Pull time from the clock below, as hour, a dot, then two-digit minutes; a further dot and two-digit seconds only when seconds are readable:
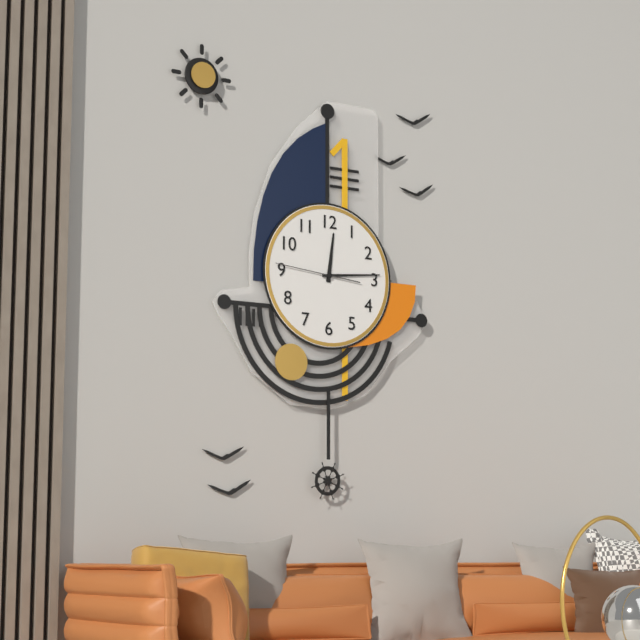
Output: 12.14.46
